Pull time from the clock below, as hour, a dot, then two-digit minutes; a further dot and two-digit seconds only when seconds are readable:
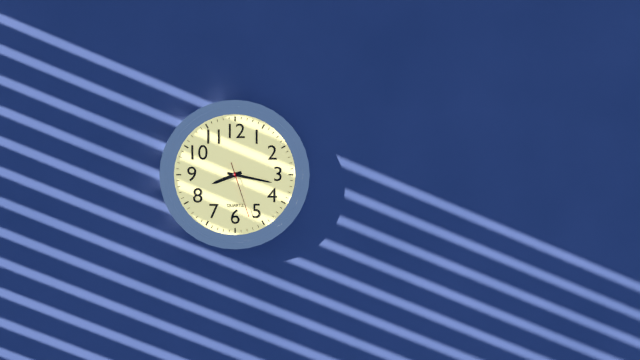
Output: 8.17.27
